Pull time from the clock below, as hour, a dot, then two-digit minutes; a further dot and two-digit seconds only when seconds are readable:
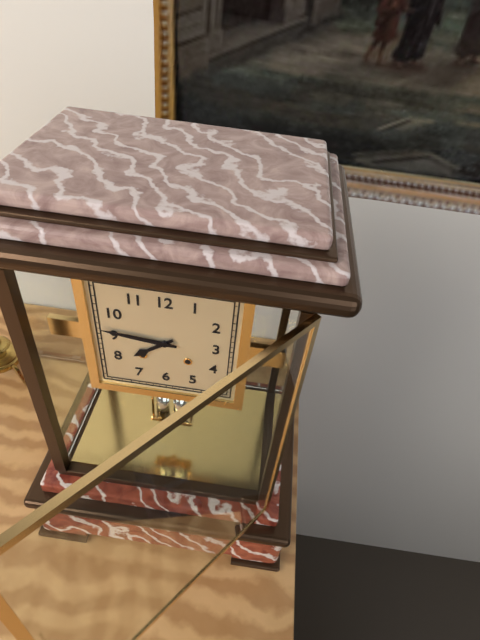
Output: 7.46
